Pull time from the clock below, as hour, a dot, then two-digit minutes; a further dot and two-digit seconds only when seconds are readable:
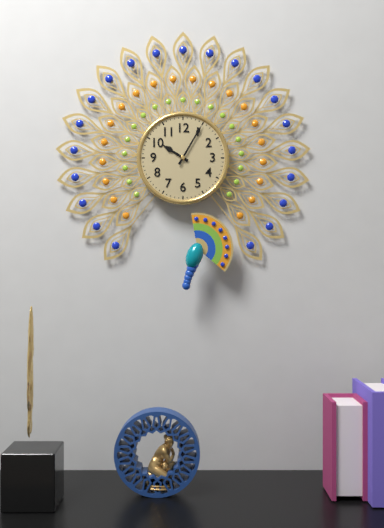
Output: 10.05
